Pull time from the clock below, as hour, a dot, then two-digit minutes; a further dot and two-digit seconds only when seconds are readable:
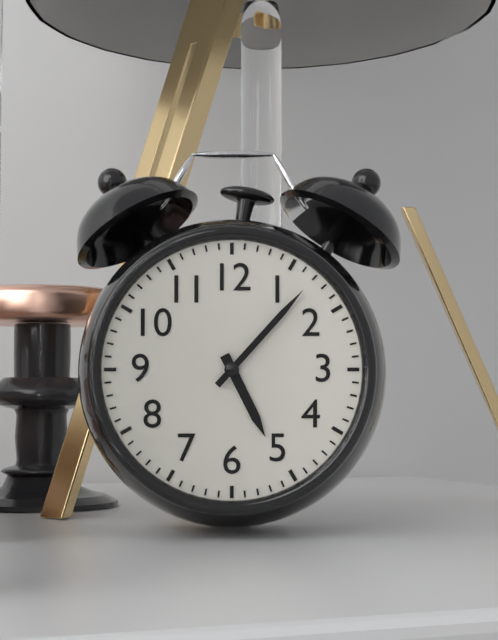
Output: 5.07
